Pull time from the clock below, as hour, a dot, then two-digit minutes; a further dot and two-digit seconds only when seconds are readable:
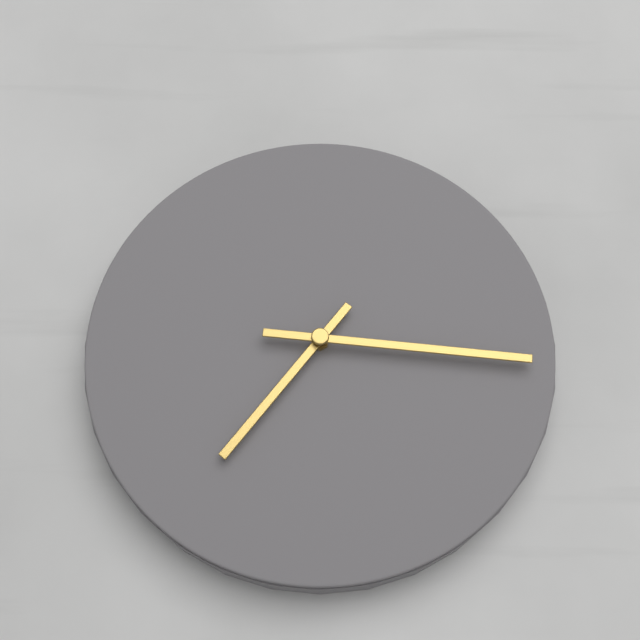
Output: 7.16
